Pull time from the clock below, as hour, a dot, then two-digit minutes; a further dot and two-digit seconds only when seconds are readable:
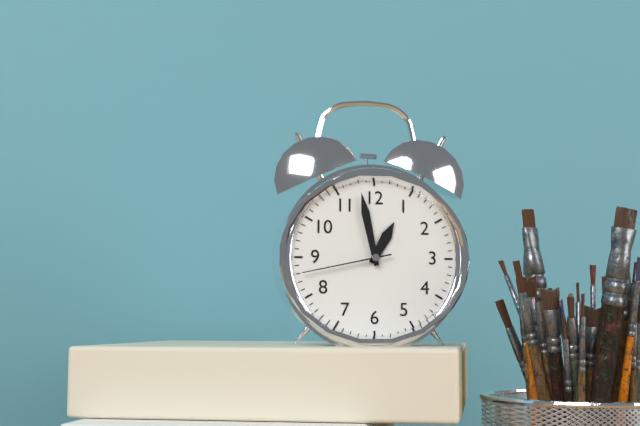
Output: 12.58.43
